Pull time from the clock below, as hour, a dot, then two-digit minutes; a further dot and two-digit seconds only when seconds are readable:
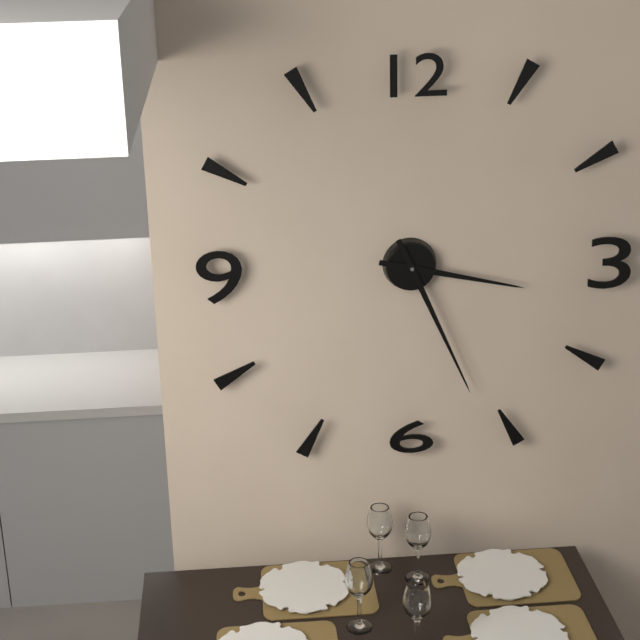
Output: 3.26
